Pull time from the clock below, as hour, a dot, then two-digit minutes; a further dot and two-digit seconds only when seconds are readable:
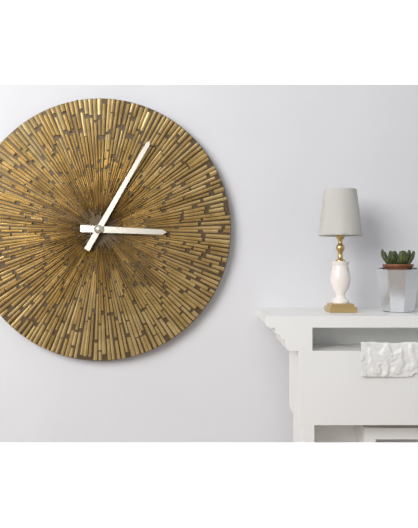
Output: 3.05
